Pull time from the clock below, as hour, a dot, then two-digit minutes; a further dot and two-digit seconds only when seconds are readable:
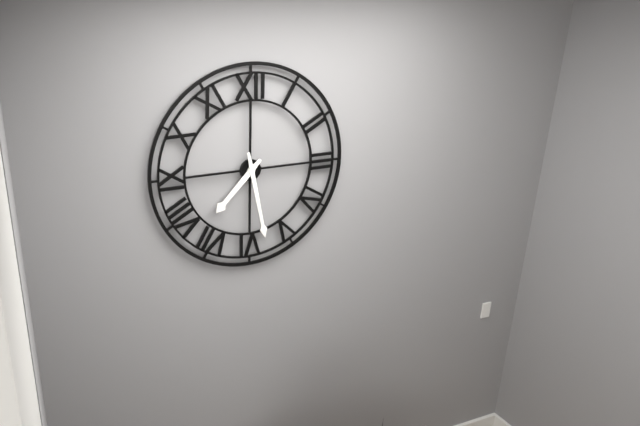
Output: 7.28
